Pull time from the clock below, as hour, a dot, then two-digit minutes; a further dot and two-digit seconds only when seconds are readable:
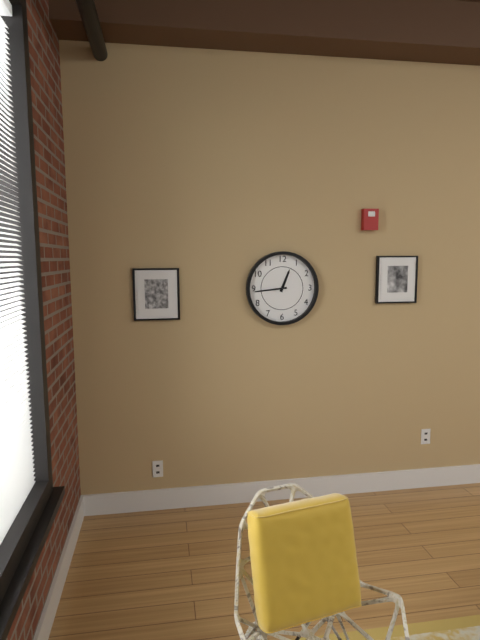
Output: 12.44
